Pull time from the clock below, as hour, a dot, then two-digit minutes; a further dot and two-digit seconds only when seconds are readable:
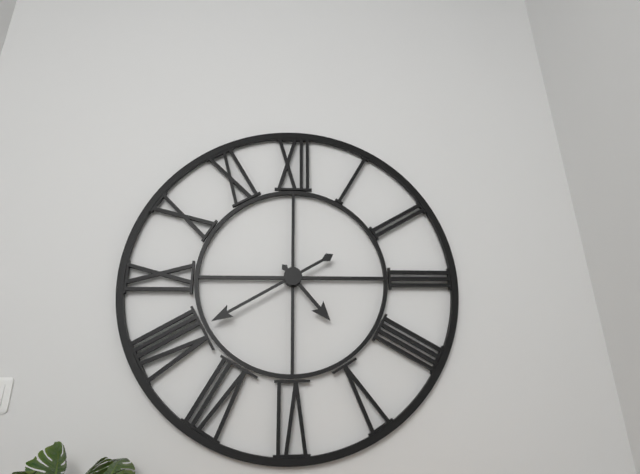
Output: 4.40
